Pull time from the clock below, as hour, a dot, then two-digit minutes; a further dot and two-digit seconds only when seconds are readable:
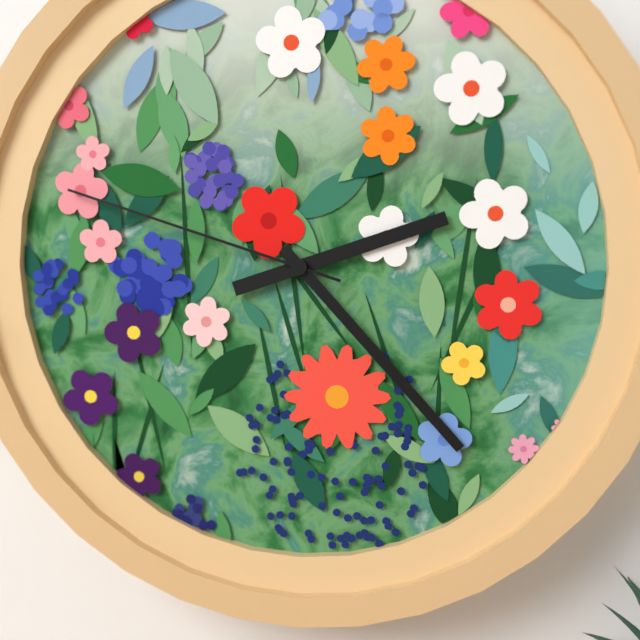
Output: 2.23.48
